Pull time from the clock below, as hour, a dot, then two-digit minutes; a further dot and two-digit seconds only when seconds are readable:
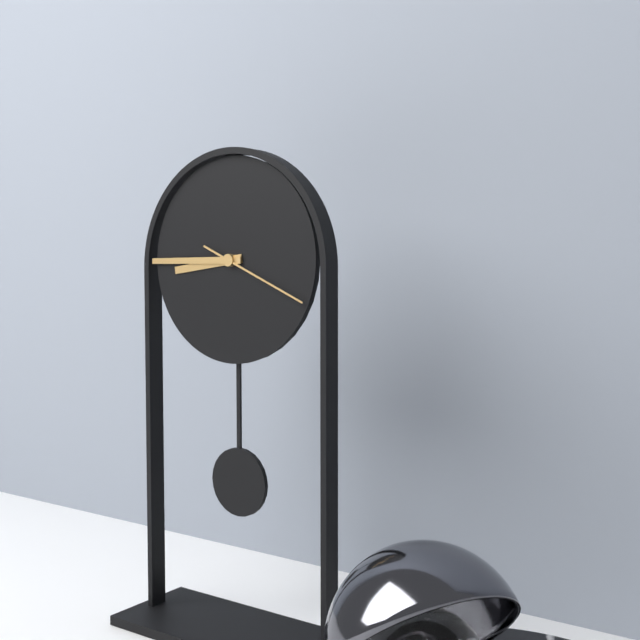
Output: 8.45.19
